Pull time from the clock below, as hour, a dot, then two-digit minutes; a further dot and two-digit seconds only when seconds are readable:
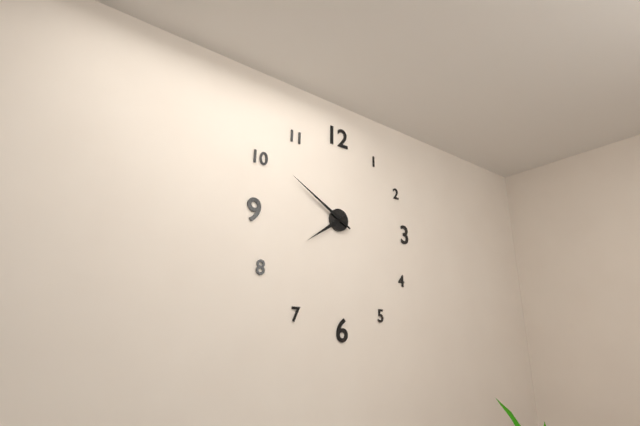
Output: 7.50
